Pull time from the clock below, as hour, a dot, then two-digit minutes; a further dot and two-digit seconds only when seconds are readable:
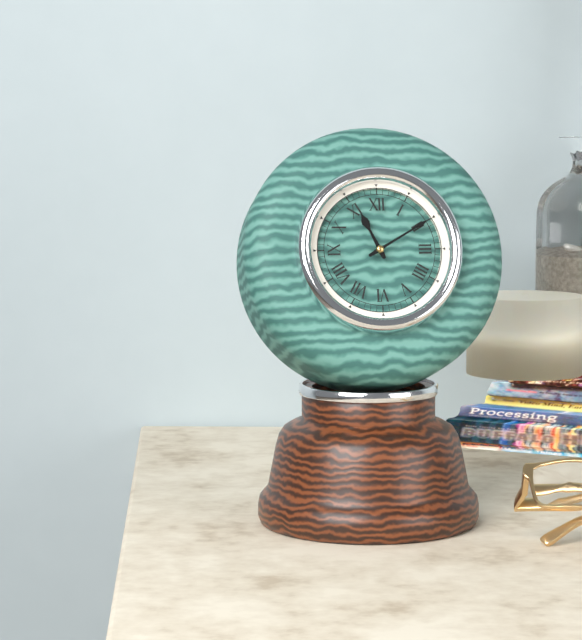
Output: 11.10
